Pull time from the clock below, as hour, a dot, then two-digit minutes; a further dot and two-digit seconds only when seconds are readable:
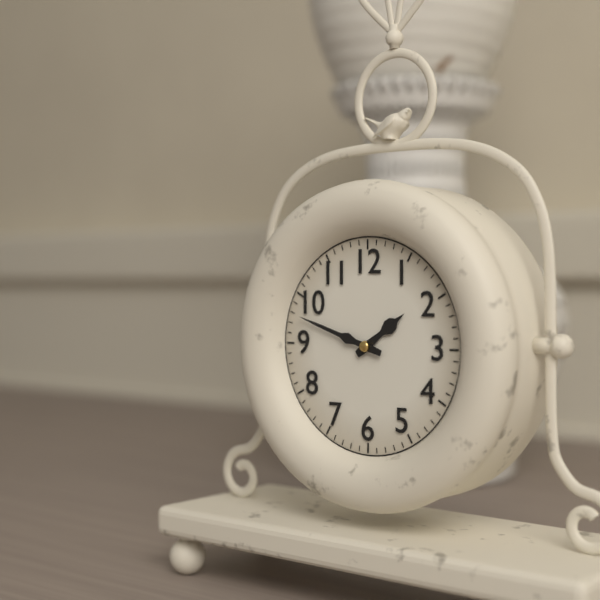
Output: 1.48
